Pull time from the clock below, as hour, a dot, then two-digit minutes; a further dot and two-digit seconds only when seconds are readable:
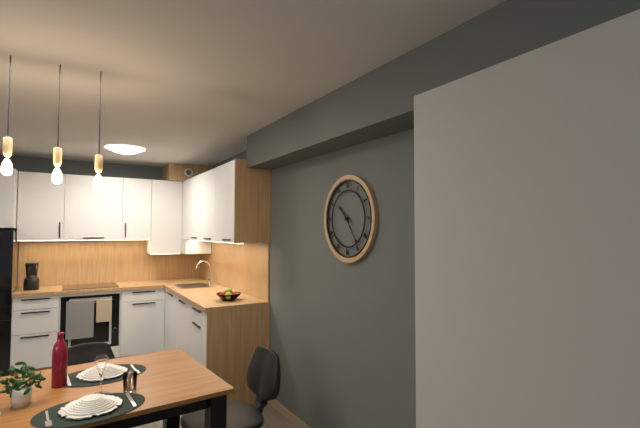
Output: 10.24
